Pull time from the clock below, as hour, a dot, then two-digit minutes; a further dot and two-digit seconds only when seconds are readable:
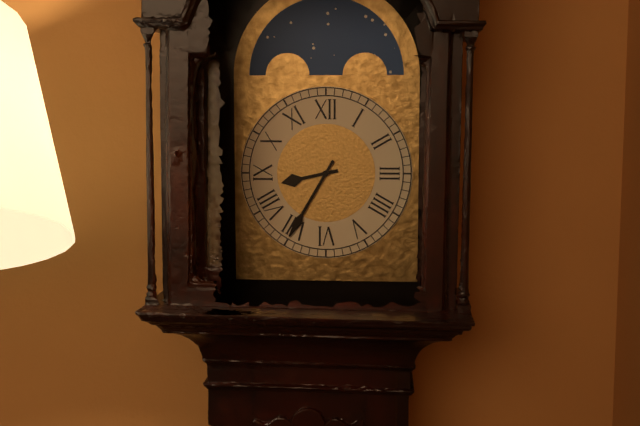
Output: 8.35
